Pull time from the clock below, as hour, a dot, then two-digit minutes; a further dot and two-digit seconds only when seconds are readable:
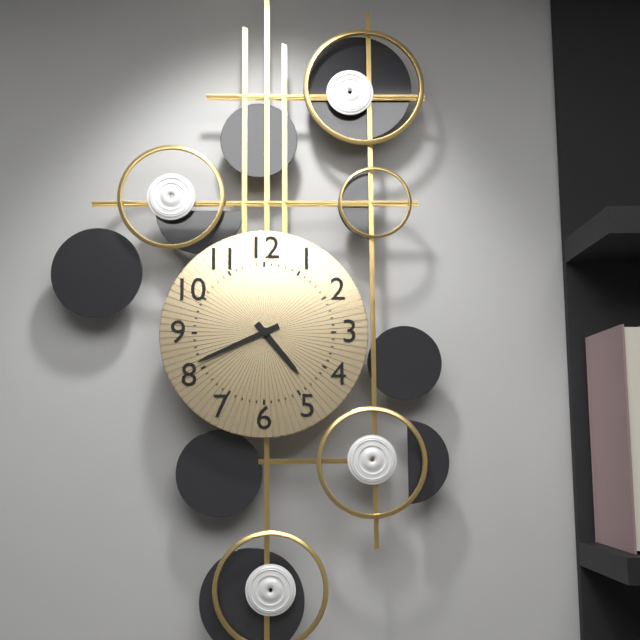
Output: 4.41
